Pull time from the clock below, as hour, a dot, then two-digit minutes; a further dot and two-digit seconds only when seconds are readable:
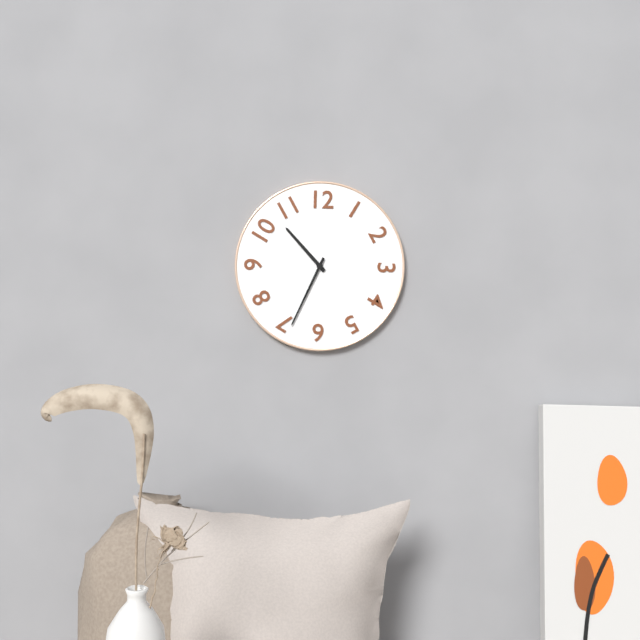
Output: 10.34
